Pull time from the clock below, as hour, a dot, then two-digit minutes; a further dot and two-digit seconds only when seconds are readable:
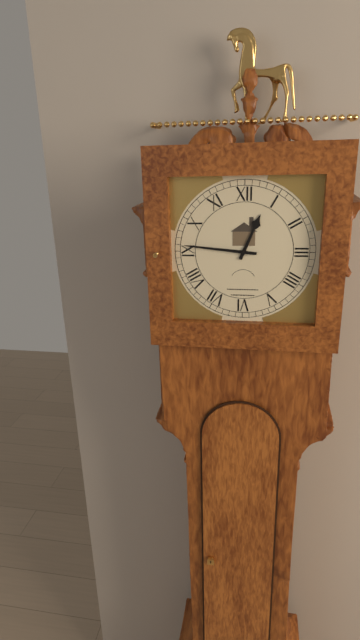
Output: 12.46
